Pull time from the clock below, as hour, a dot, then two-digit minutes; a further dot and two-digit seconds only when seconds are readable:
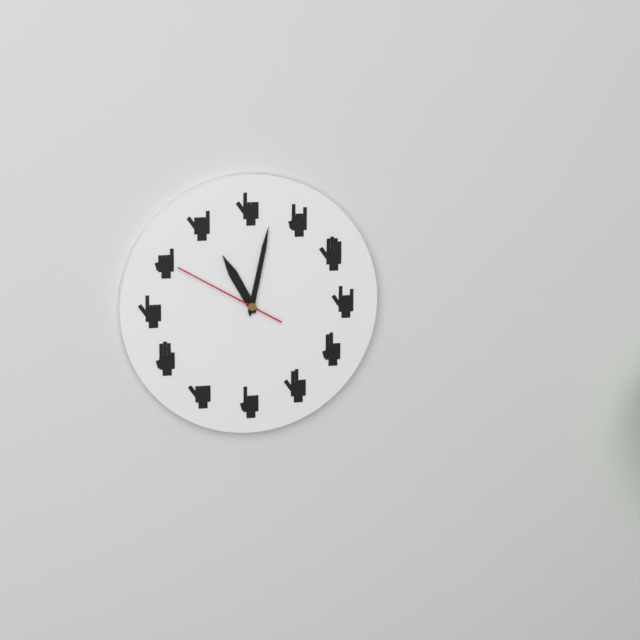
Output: 11.02.50
